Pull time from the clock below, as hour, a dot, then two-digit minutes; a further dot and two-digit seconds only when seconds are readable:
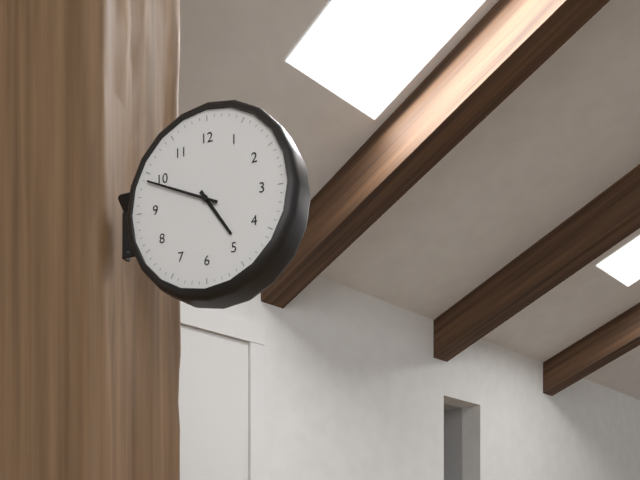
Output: 4.49
